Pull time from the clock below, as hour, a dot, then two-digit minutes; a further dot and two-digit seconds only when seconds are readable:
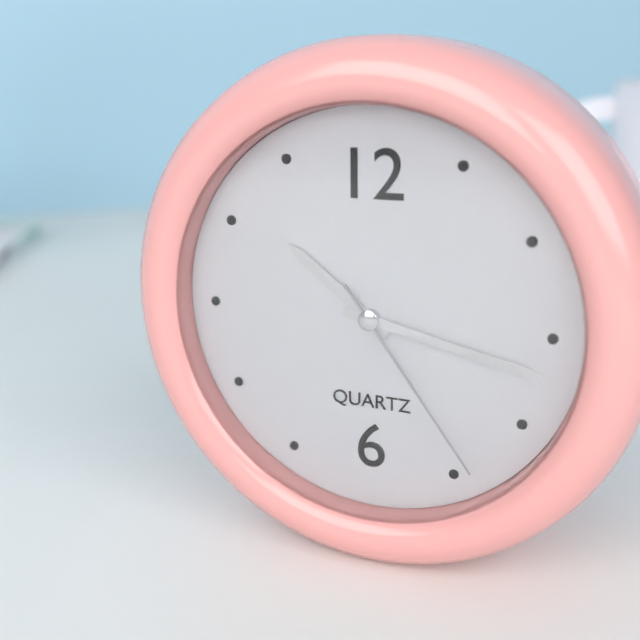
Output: 10.17.24
